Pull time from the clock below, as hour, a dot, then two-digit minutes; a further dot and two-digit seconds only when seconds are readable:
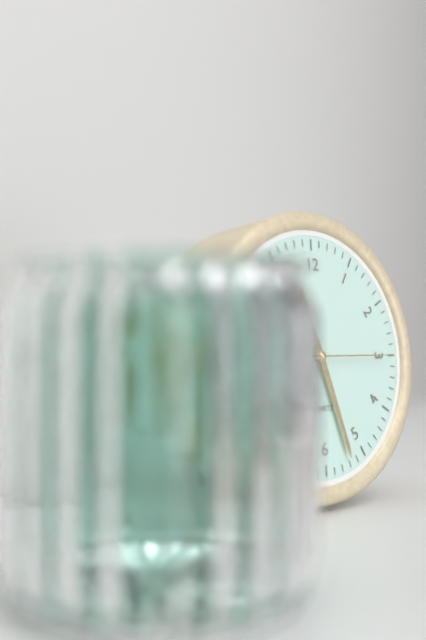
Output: 11.27.15
